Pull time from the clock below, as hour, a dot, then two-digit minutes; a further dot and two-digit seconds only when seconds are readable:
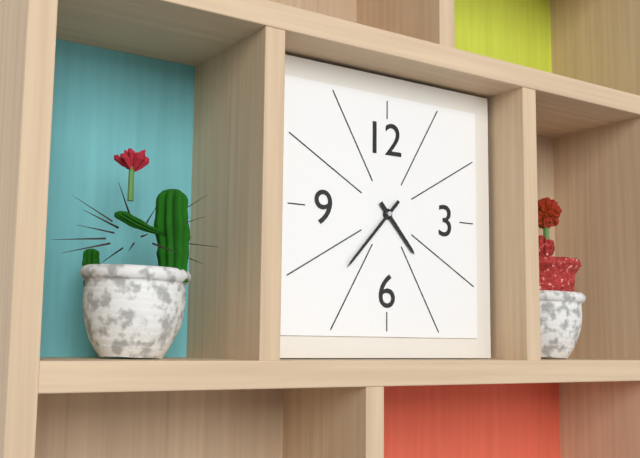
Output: 4.37
